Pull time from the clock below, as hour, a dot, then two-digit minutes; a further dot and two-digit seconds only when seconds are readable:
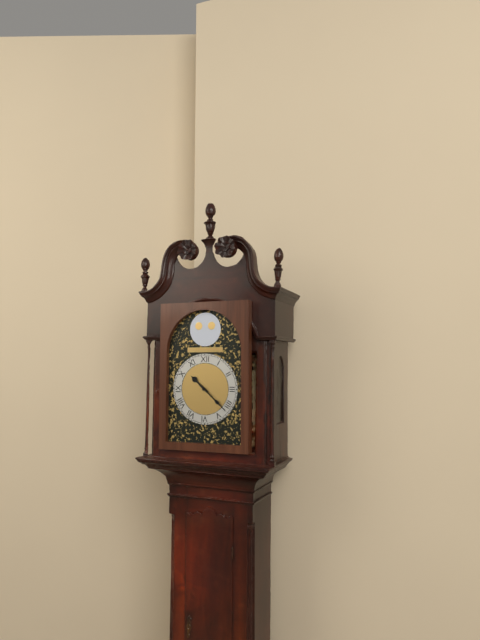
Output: 10.22
